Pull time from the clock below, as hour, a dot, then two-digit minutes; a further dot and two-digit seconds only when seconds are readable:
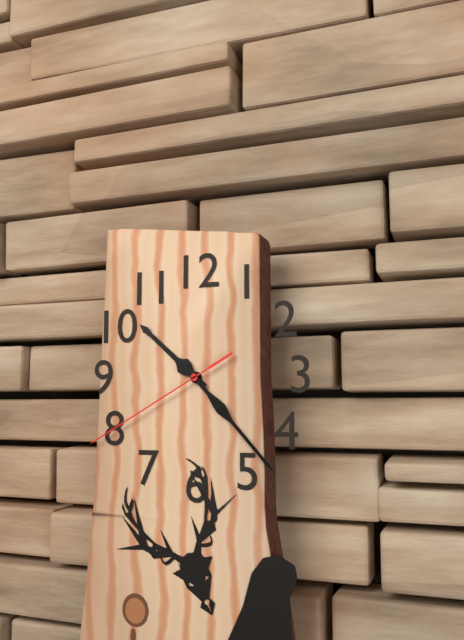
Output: 10.23.40
